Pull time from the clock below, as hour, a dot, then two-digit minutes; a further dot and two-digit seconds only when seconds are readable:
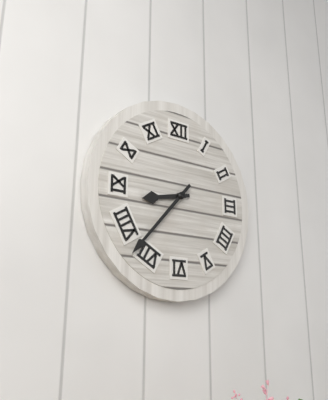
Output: 8.37
